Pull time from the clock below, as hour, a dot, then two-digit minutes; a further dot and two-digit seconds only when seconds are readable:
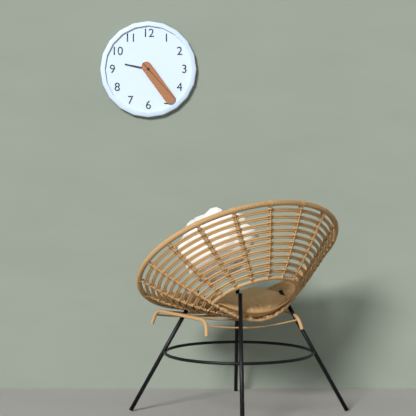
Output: 9.24
